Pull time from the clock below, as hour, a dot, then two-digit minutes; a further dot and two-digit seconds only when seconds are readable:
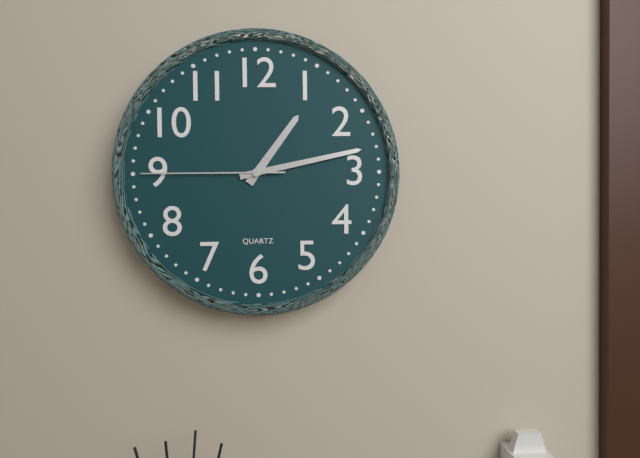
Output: 1.13.45
